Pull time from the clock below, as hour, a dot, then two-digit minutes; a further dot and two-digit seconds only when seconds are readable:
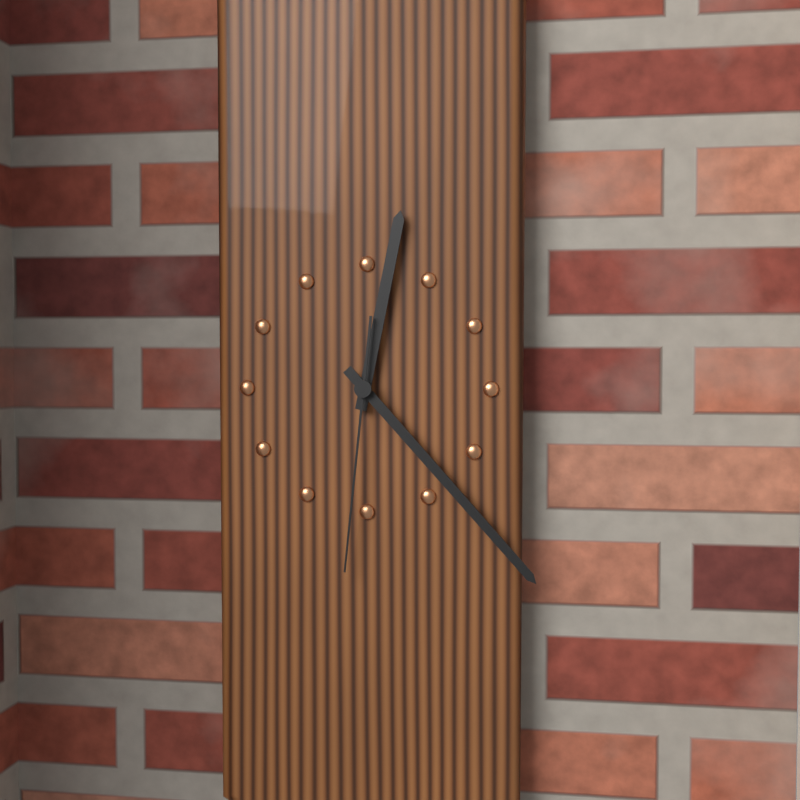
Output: 12.23.31
